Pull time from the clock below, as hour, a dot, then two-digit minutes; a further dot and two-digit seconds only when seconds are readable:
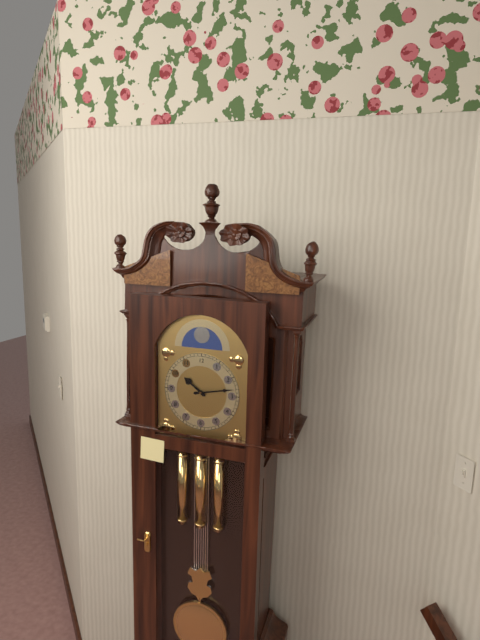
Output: 10.13
